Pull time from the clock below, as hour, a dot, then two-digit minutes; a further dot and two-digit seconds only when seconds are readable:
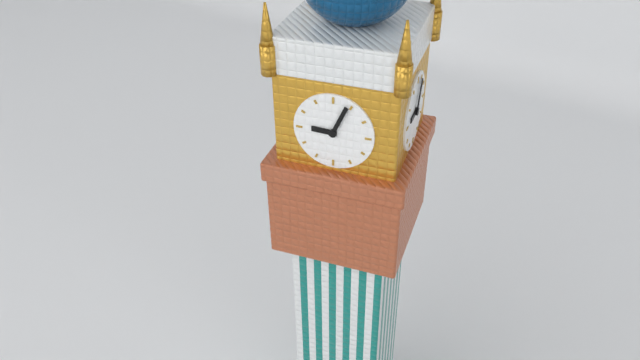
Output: 9.04
